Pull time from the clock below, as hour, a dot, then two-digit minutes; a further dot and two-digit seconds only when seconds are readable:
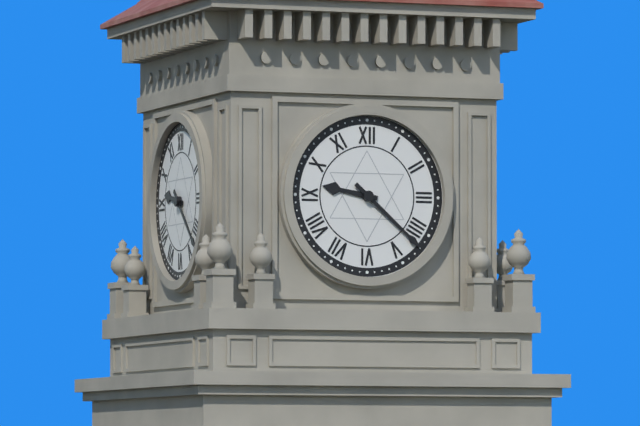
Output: 9.22
